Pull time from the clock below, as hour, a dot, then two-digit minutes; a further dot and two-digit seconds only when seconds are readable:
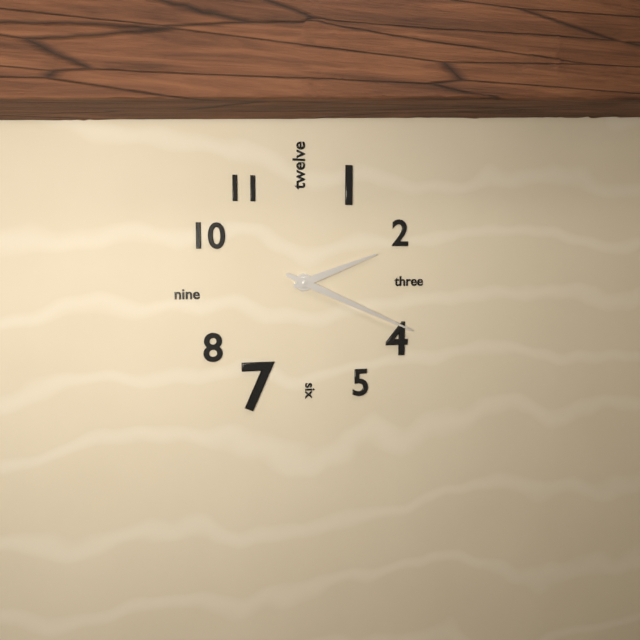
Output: 2.19
